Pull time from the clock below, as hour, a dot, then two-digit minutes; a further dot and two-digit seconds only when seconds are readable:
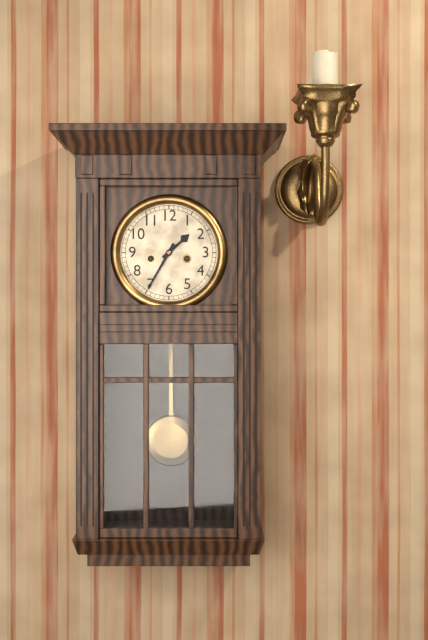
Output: 1.35
